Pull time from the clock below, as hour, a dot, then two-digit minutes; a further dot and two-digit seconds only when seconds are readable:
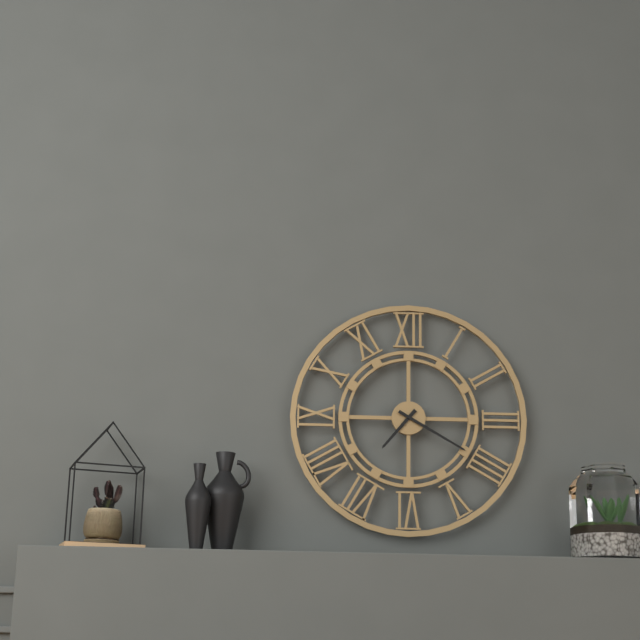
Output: 7.20
